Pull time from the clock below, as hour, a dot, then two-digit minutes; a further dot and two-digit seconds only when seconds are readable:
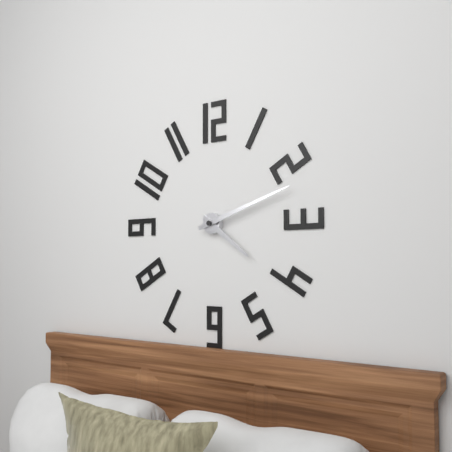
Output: 4.12
